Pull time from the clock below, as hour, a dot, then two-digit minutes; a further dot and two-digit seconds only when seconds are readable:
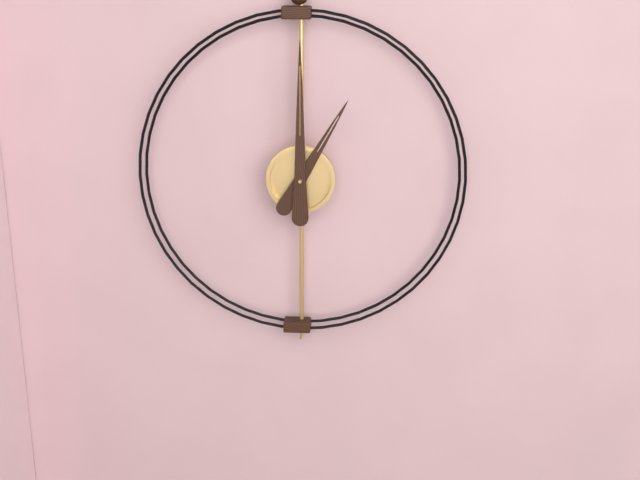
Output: 1.00
